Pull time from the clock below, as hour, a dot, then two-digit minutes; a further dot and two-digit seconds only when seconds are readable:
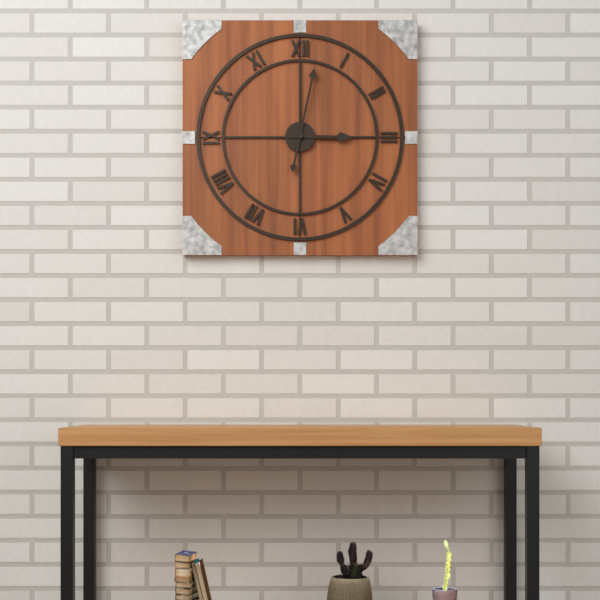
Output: 3.02
